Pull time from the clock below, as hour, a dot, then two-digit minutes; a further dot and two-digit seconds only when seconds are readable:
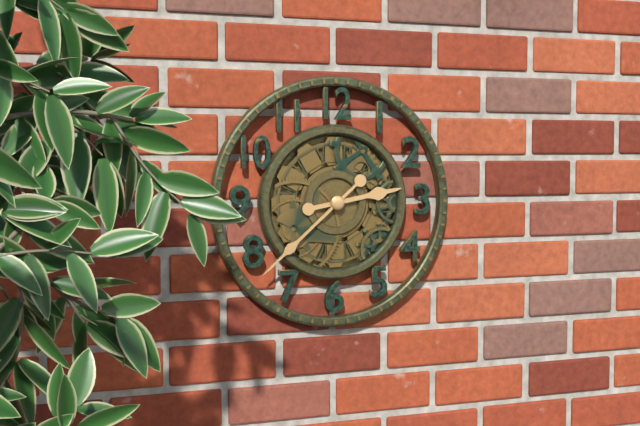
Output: 2.38
